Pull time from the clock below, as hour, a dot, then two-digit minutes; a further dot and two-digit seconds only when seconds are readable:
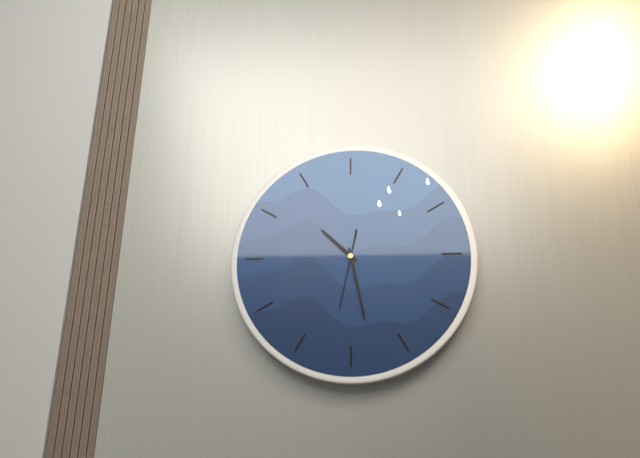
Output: 10.28.32
